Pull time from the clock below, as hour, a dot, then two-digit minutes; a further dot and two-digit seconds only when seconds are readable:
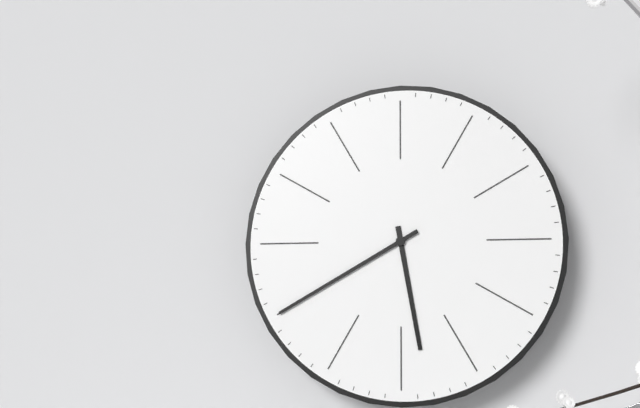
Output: 5.40
